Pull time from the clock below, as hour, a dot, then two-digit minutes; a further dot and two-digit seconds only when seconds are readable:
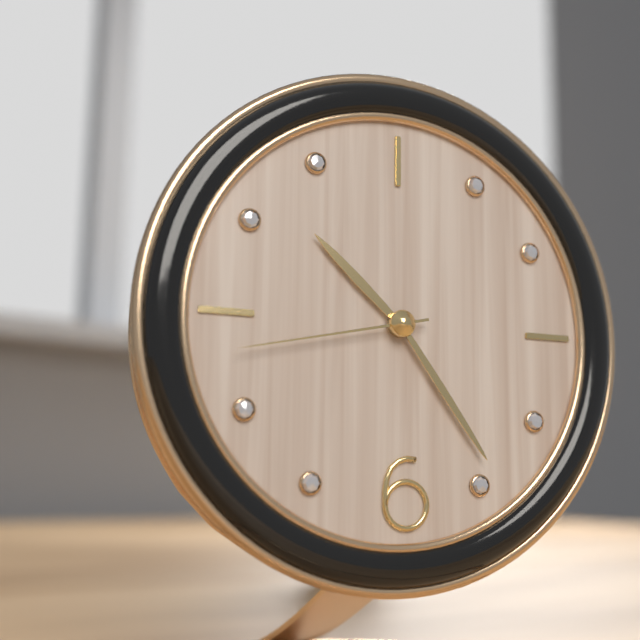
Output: 10.24.43
